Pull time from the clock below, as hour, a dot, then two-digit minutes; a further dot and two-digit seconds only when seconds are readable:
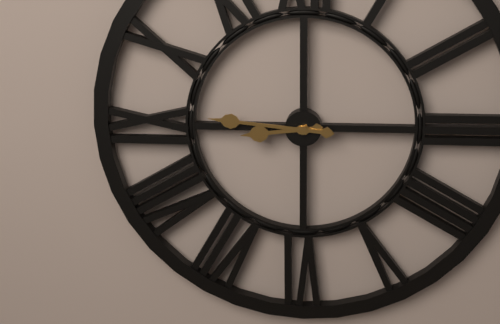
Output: 8.46
